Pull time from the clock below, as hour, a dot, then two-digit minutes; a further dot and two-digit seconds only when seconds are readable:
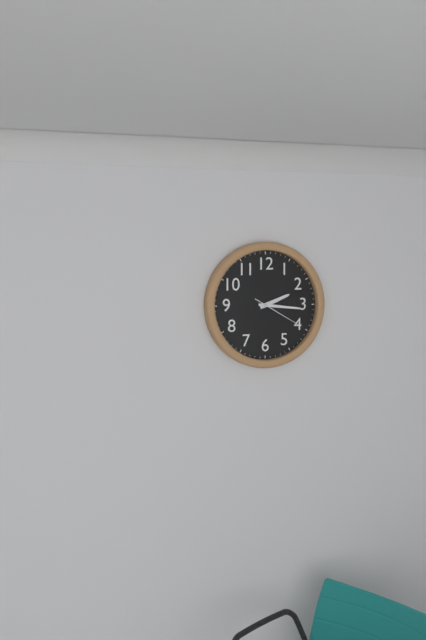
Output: 2.16
